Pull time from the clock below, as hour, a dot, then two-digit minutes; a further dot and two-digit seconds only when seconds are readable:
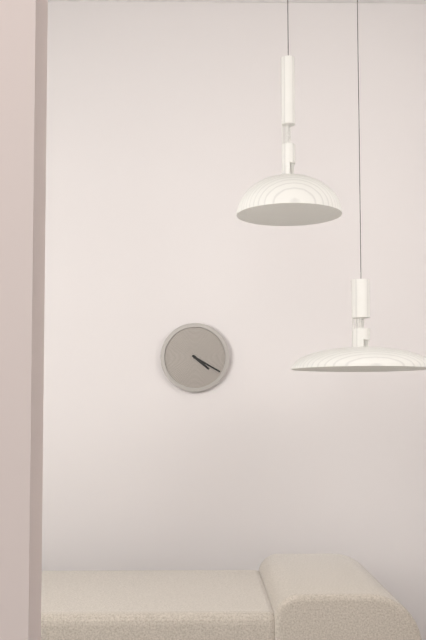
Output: 4.20
